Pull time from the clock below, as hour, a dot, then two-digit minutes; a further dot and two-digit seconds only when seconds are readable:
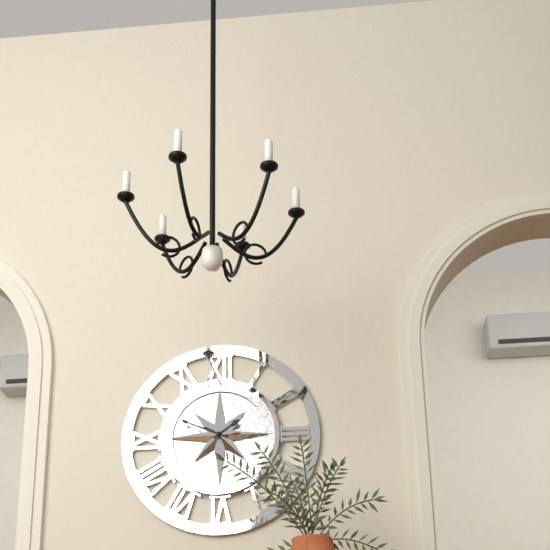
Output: 1.49
